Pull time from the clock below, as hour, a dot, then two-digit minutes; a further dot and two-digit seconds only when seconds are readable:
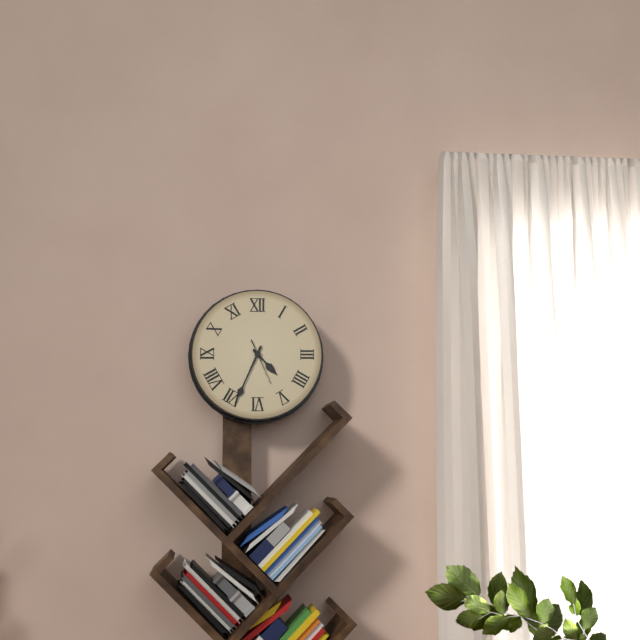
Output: 4.34
